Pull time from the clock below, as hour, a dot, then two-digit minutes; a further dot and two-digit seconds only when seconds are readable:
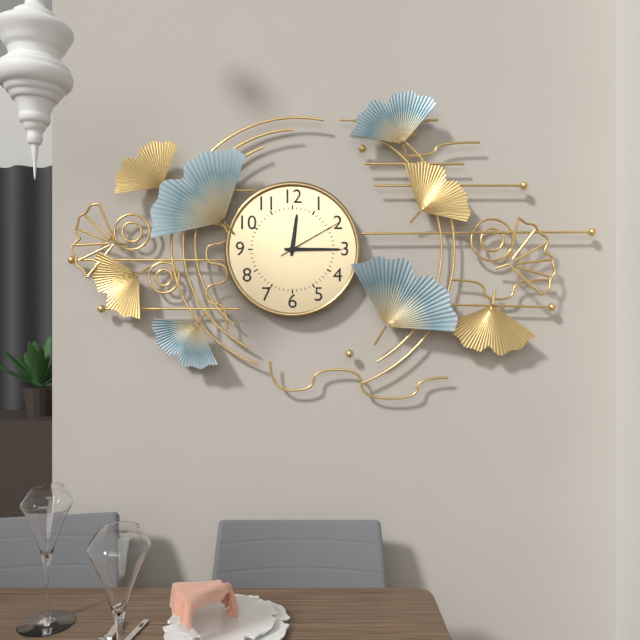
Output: 12.15.10
